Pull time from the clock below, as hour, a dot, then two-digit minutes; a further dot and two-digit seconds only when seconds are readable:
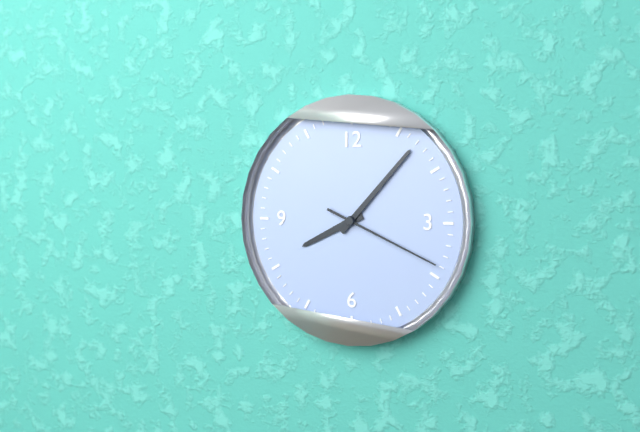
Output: 8.07.19
